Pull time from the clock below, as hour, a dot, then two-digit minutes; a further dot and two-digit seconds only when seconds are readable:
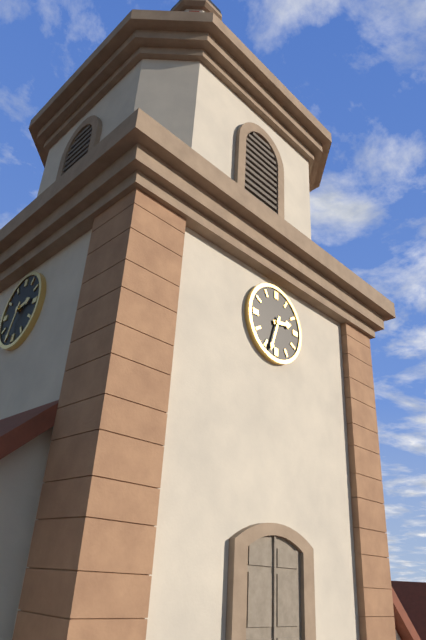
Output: 2.33
